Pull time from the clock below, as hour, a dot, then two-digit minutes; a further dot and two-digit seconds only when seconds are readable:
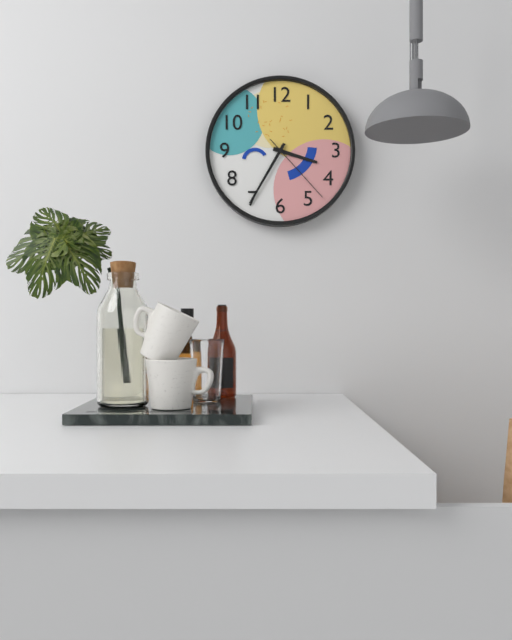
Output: 3.35.23
